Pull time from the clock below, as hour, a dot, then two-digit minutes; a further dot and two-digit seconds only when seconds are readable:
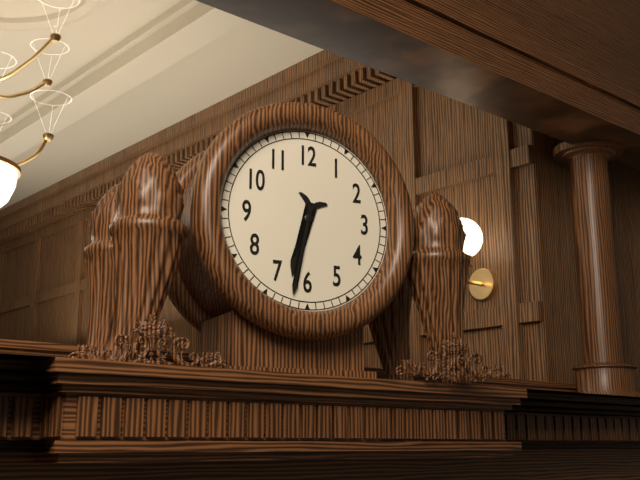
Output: 6.32
